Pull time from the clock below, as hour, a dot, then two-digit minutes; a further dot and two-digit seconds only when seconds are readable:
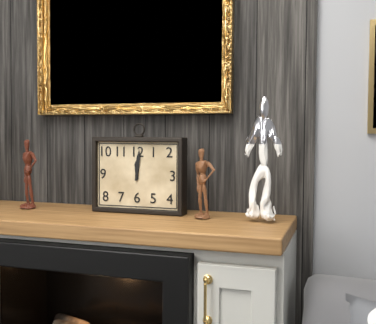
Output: 12.01
